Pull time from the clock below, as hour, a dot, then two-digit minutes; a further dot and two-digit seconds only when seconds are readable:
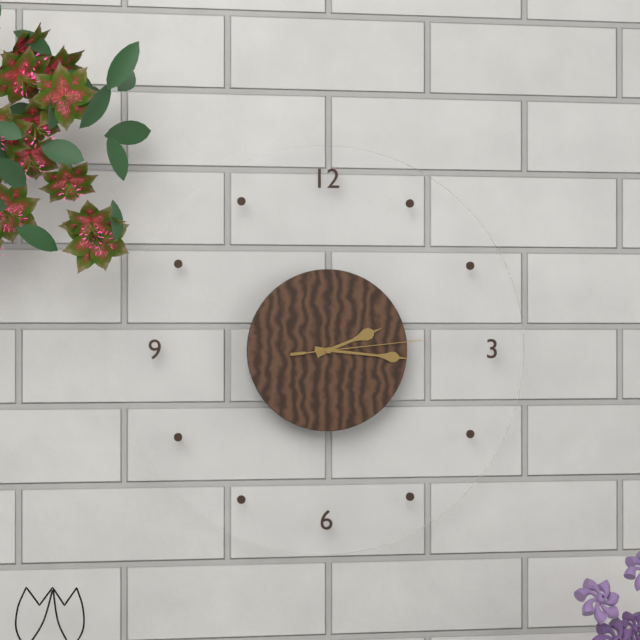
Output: 2.16.14
